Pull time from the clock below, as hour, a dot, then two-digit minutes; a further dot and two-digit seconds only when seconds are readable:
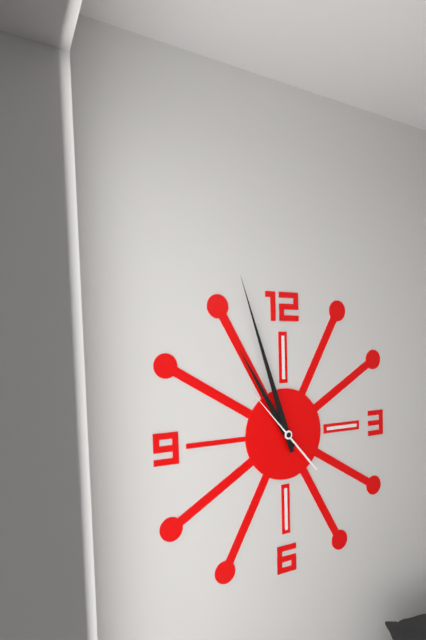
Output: 10.57.53
